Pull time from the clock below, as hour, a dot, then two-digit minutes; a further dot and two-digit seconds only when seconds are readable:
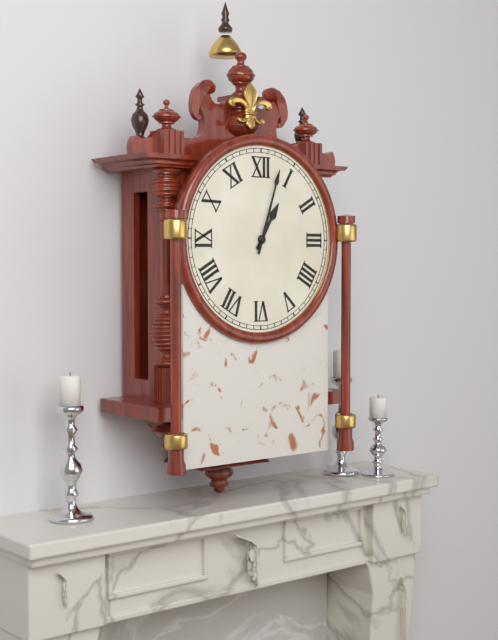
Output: 1.03
